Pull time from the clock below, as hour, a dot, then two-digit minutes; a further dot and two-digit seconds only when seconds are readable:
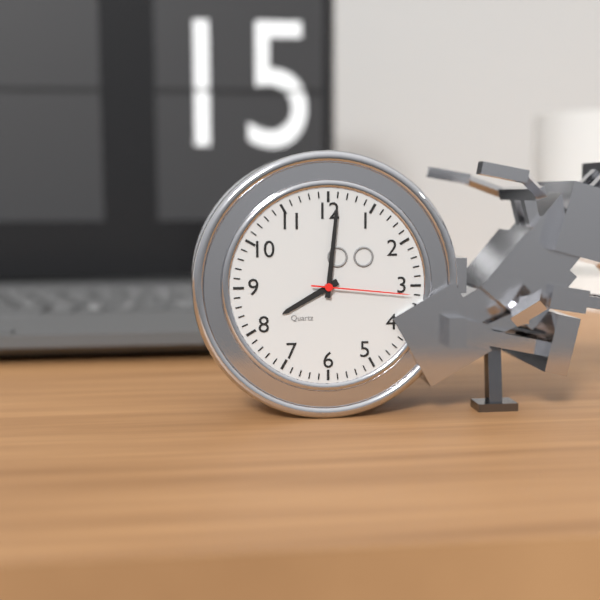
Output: 8.01.16
